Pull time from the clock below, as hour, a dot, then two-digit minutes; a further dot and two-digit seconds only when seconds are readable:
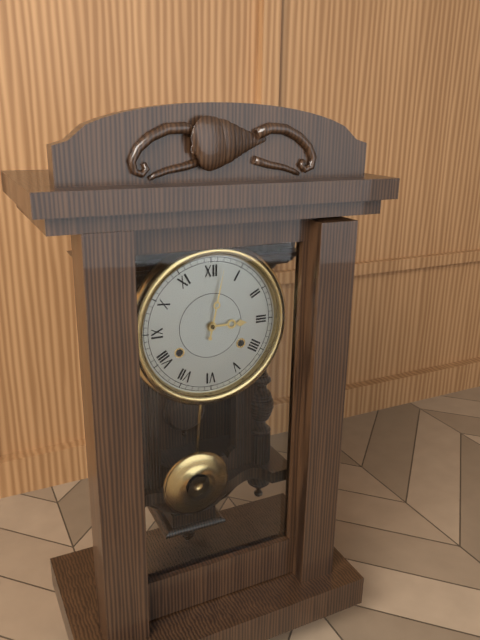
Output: 3.02
